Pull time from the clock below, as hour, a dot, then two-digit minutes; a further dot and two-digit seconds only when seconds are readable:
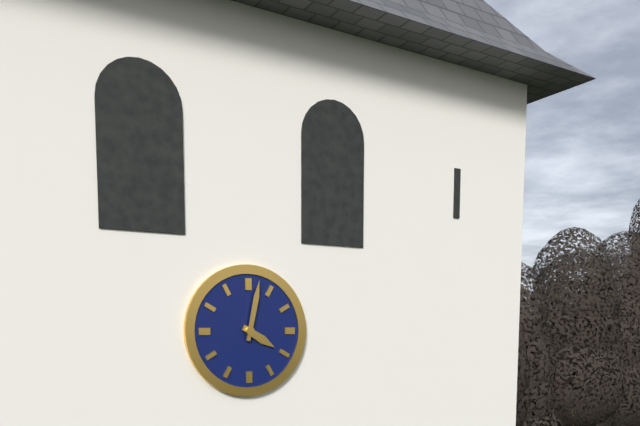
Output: 4.02
